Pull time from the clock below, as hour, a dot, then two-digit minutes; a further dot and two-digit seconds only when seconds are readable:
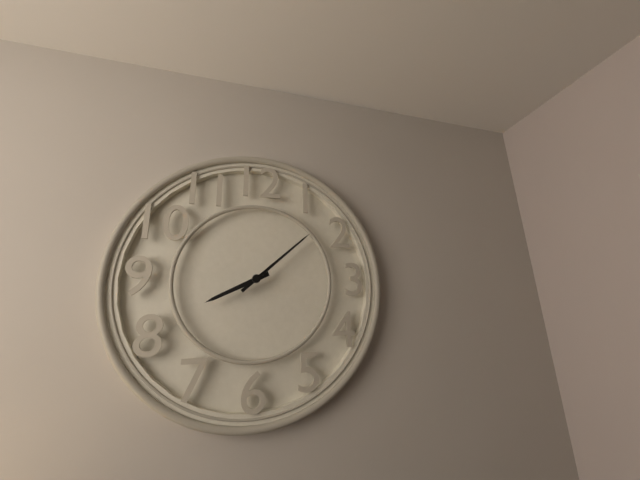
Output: 8.08
